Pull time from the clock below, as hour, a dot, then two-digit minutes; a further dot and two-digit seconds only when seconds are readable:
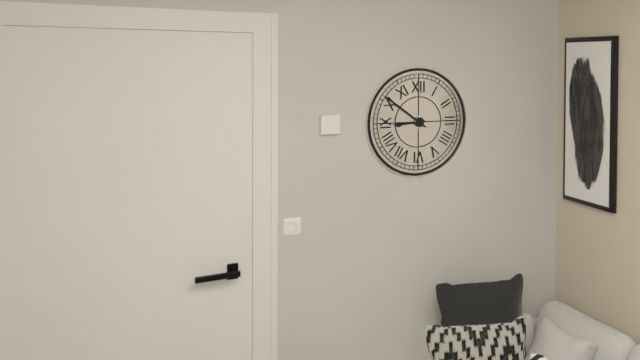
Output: 8.51
